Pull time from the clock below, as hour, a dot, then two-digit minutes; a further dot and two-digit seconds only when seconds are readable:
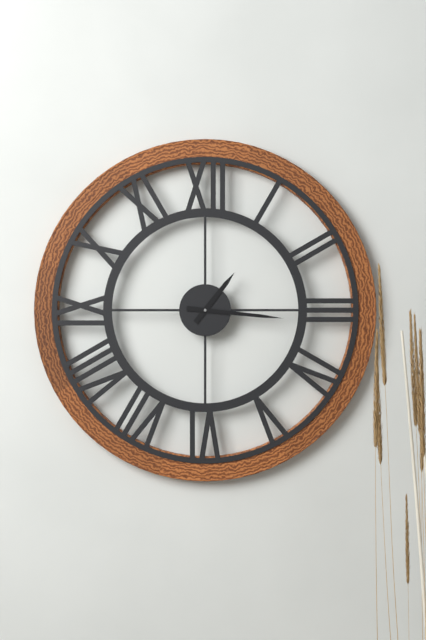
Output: 1.16
